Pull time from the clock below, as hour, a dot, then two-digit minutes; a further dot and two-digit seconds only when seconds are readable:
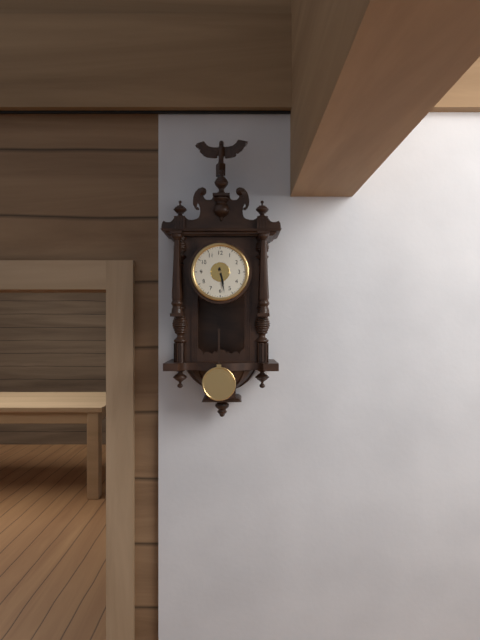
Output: 5.28
